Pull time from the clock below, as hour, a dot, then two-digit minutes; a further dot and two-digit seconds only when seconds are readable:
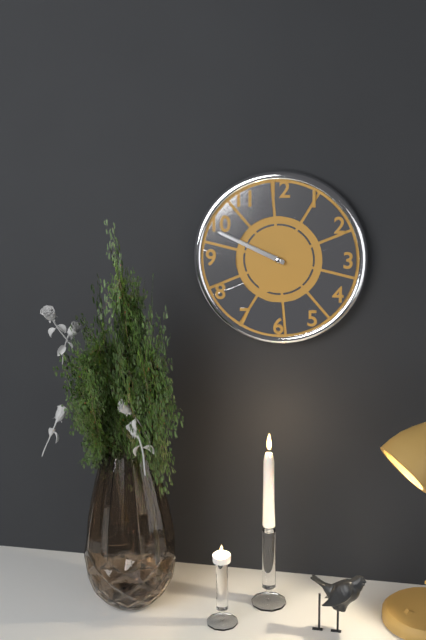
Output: 9.49
